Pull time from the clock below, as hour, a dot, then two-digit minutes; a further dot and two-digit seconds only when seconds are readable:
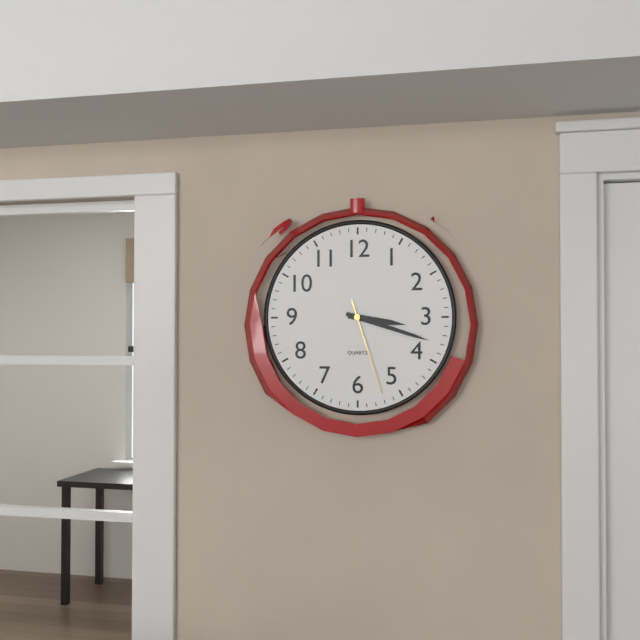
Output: 3.18.27
